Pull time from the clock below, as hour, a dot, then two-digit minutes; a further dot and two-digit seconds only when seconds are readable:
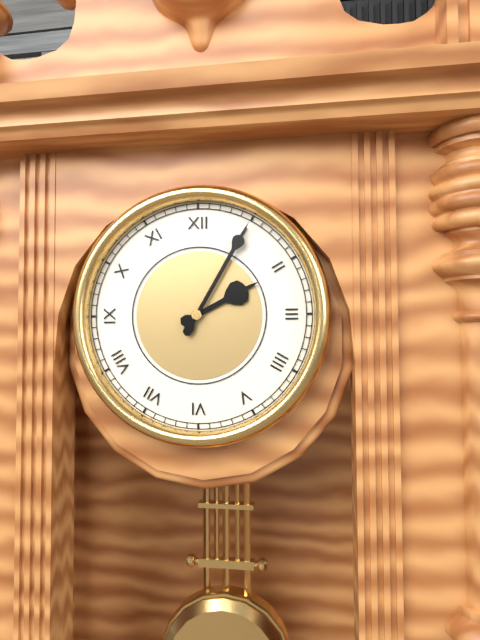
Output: 2.05
